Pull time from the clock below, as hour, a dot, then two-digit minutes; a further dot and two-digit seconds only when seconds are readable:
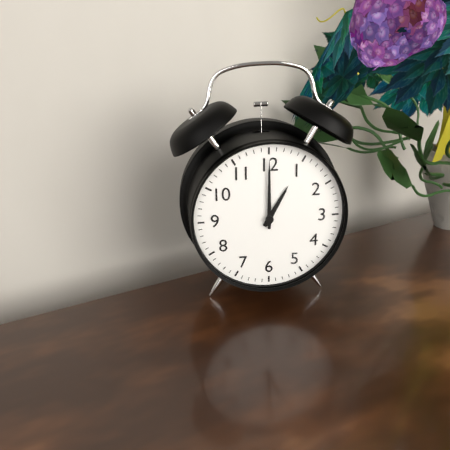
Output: 1.00
